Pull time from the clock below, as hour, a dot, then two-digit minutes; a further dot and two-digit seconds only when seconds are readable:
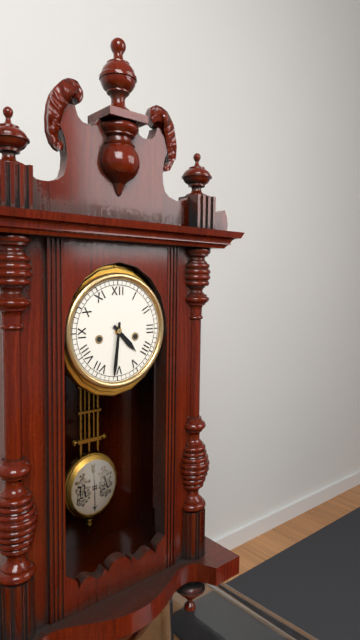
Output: 4.31
